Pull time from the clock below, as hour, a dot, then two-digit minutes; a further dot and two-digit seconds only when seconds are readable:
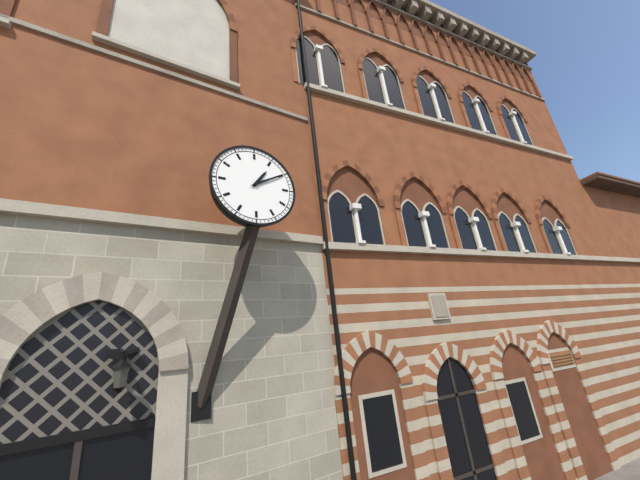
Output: 1.10
